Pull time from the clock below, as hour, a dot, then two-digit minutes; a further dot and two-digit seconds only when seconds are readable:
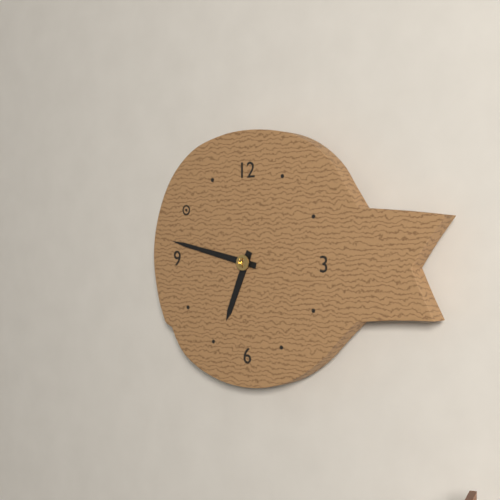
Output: 6.47
